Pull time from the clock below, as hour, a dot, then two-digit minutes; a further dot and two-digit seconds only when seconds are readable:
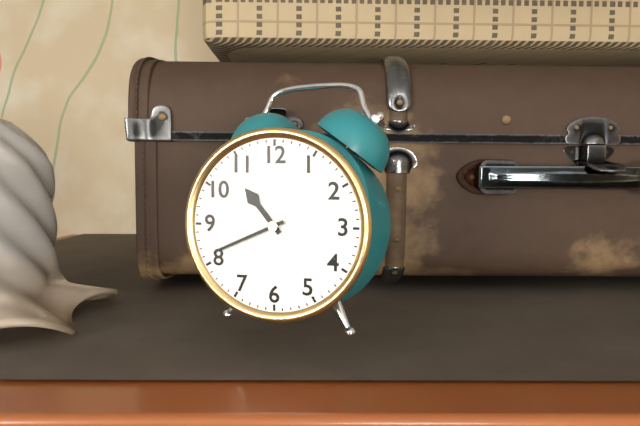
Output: 10.41
